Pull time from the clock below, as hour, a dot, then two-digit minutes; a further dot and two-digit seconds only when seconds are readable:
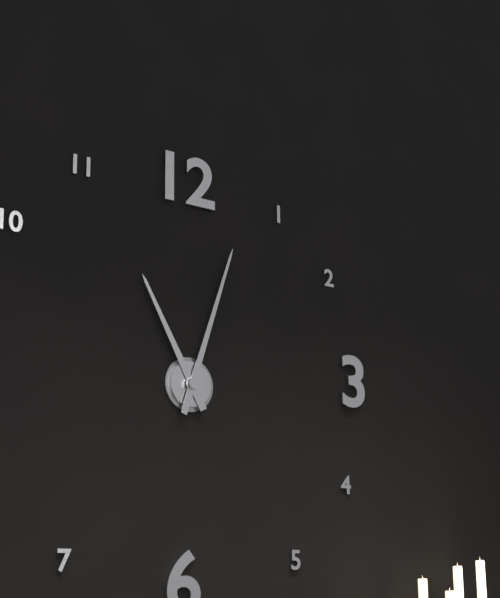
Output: 11.03
